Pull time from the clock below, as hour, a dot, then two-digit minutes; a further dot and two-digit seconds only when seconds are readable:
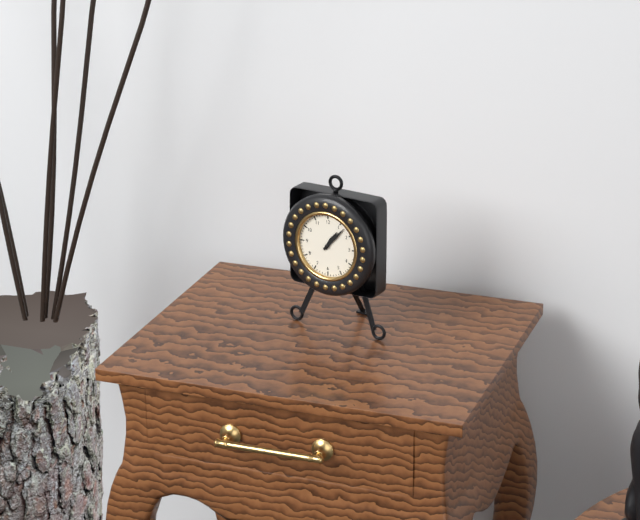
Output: 1.07
